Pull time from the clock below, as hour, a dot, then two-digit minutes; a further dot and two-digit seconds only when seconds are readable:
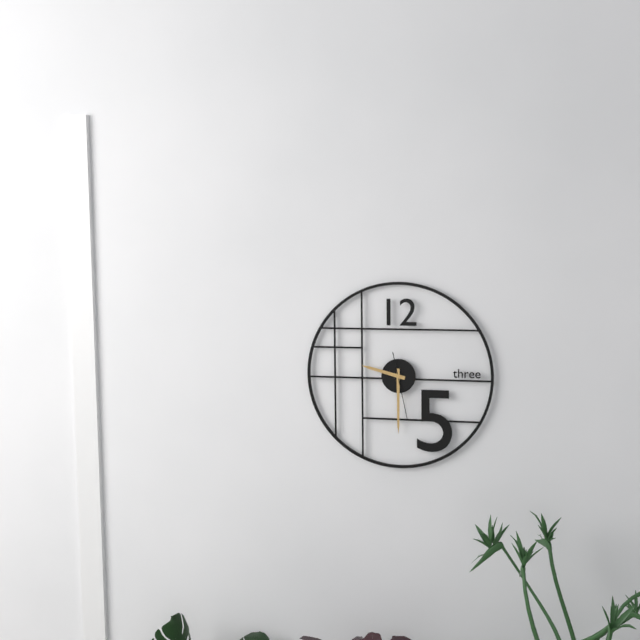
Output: 9.30.28
